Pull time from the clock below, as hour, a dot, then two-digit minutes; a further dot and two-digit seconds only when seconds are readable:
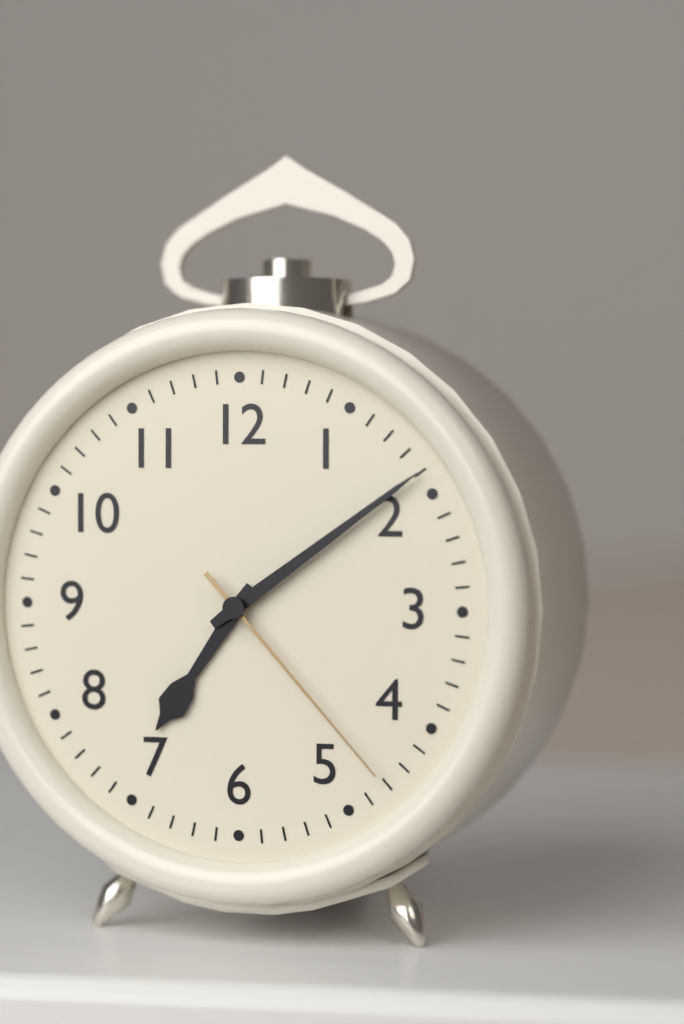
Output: 7.09.23
